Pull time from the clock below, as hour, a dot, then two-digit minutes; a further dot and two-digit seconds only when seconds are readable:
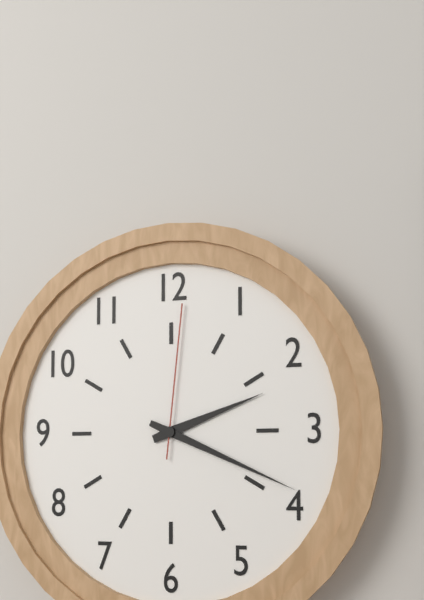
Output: 2.19.01
